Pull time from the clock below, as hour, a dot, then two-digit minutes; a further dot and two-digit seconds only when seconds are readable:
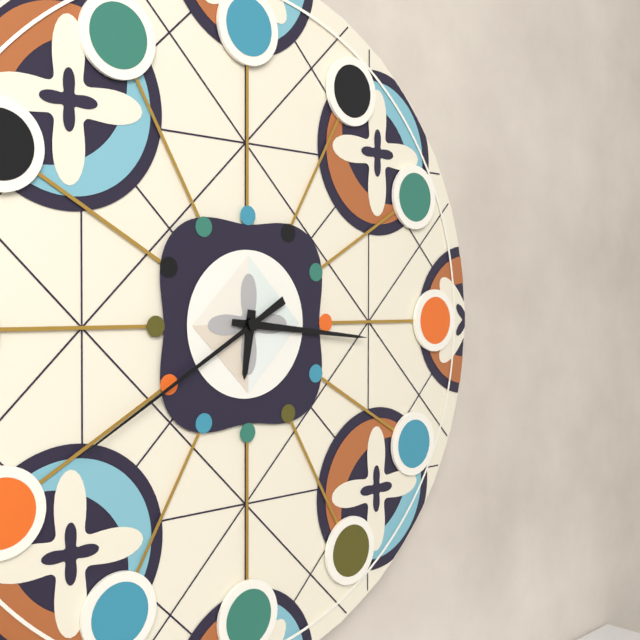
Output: 6.16.40
